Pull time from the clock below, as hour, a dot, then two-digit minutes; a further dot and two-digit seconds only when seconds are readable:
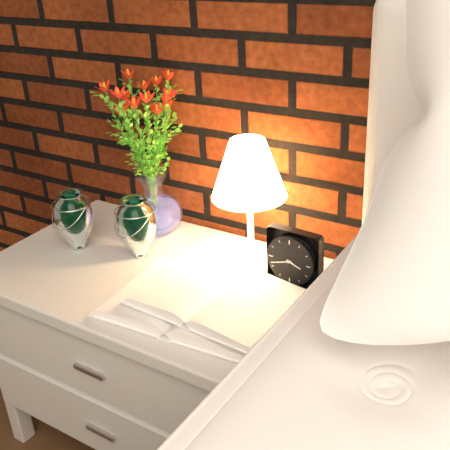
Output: 3.42
